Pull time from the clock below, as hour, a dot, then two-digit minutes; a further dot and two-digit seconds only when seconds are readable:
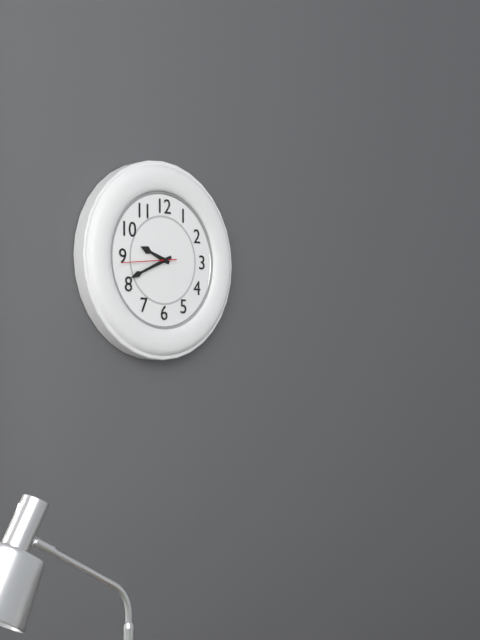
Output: 9.41.44
